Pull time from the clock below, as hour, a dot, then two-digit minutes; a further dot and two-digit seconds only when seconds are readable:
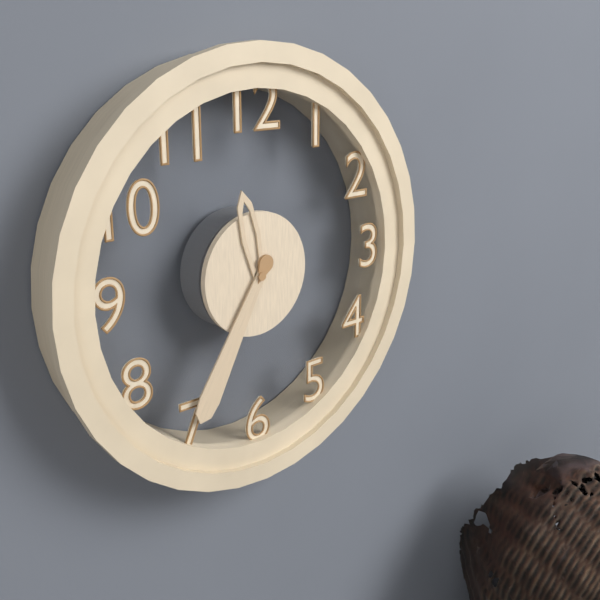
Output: 11.35
